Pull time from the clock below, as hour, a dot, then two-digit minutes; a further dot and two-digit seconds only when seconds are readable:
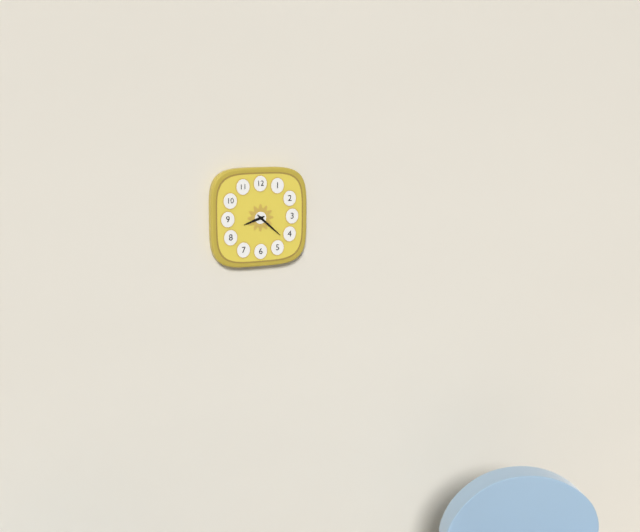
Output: 8.22
